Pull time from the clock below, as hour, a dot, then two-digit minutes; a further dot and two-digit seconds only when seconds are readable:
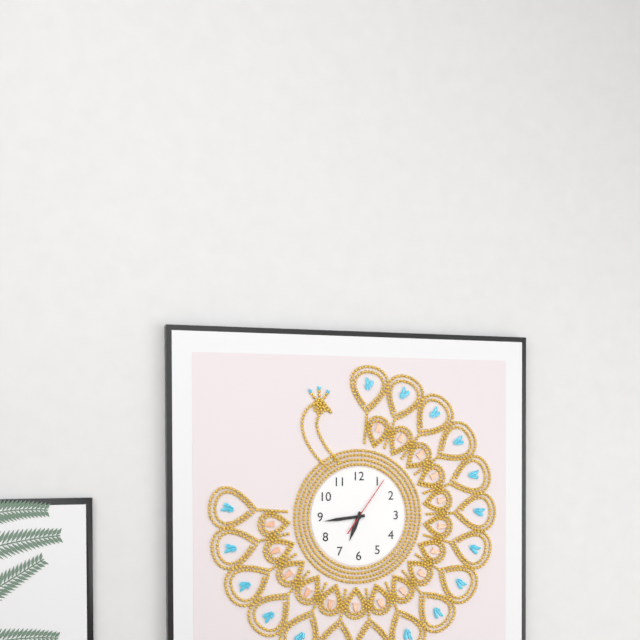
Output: 6.44.06
